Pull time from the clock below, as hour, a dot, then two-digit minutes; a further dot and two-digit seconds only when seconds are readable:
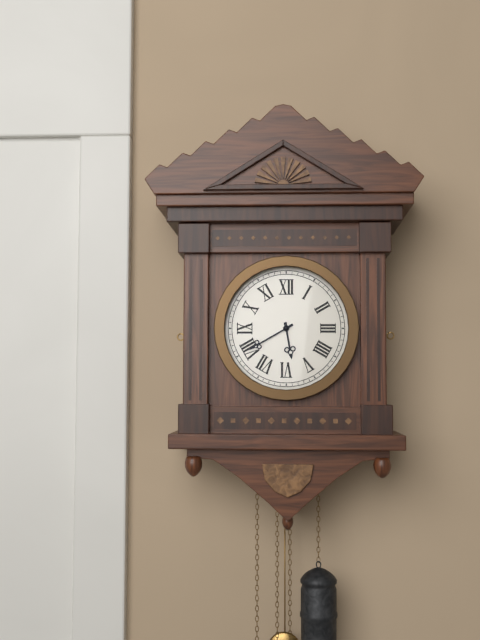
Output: 5.40
